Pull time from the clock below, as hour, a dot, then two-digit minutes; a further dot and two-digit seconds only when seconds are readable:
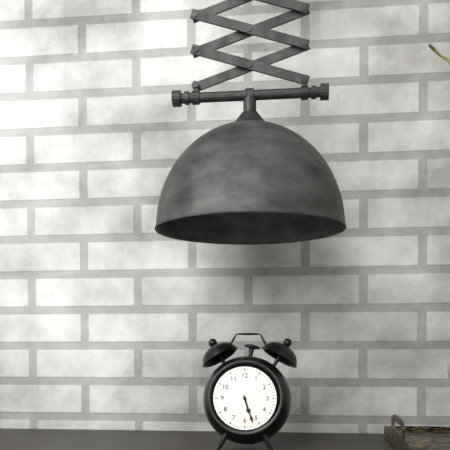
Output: 5.27
